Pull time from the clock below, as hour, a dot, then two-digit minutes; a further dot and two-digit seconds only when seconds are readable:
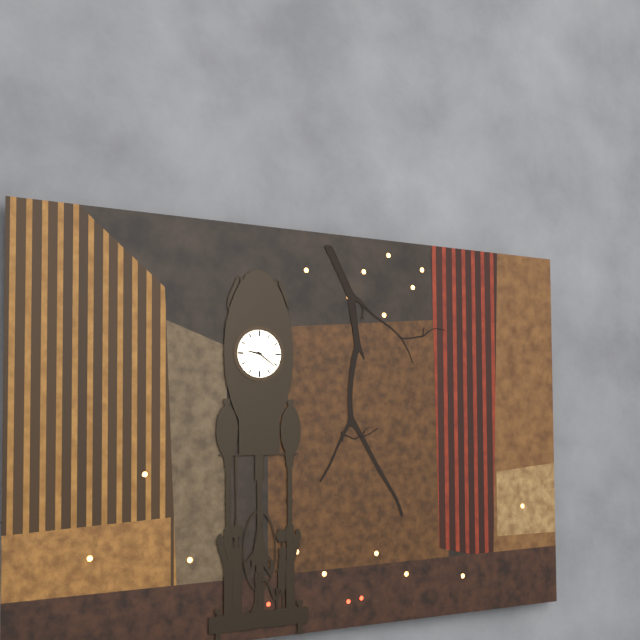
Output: 9.21
